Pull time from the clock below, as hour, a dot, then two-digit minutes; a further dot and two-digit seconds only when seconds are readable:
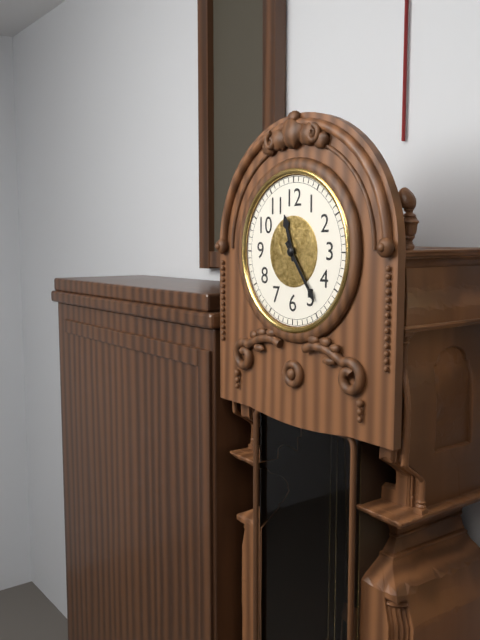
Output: 11.24
